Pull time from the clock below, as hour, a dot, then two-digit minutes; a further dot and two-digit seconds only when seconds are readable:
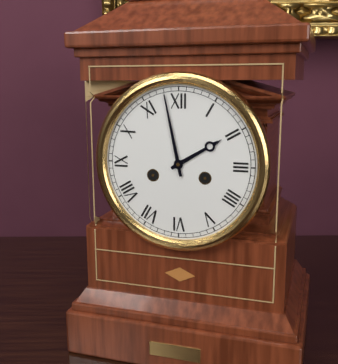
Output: 1.58
